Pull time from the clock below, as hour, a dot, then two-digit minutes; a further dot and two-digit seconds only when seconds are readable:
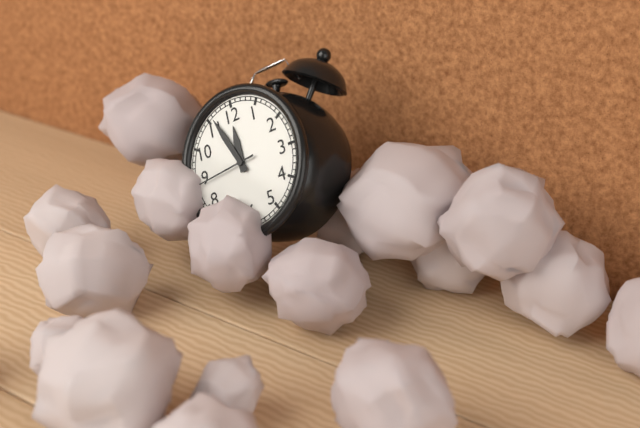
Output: 11.56.44
